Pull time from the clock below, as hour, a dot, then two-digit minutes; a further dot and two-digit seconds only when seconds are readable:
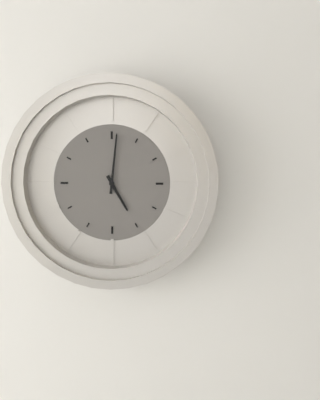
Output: 5.01
